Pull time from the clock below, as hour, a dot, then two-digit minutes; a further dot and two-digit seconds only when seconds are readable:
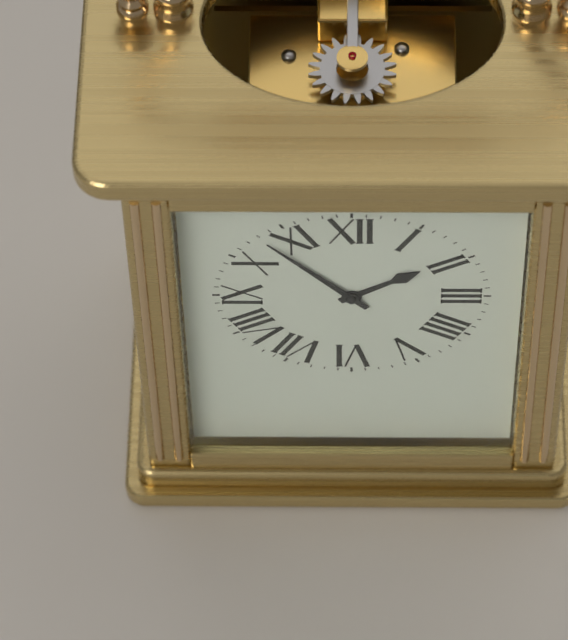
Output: 1.53
